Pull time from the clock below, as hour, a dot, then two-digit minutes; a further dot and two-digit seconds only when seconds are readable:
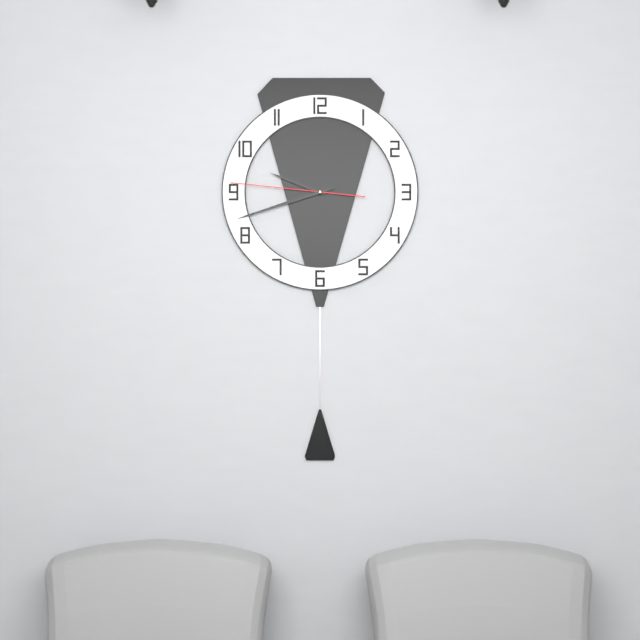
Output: 9.42.46
